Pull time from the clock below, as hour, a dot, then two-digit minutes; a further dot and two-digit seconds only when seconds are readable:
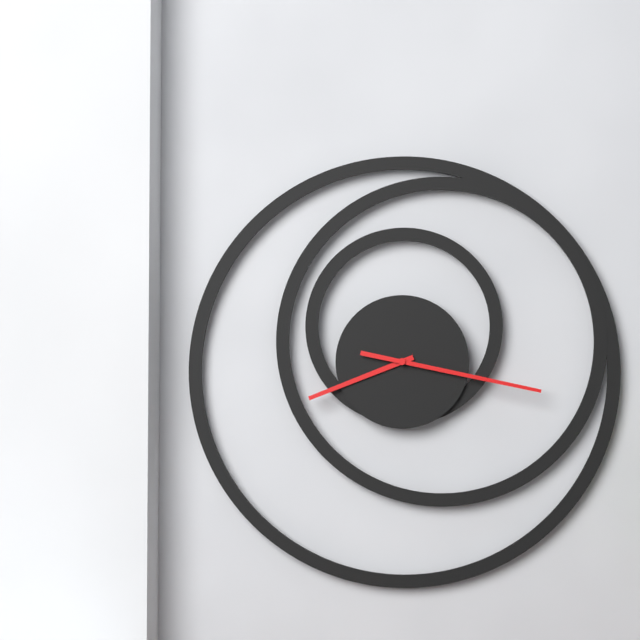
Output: 8.17
